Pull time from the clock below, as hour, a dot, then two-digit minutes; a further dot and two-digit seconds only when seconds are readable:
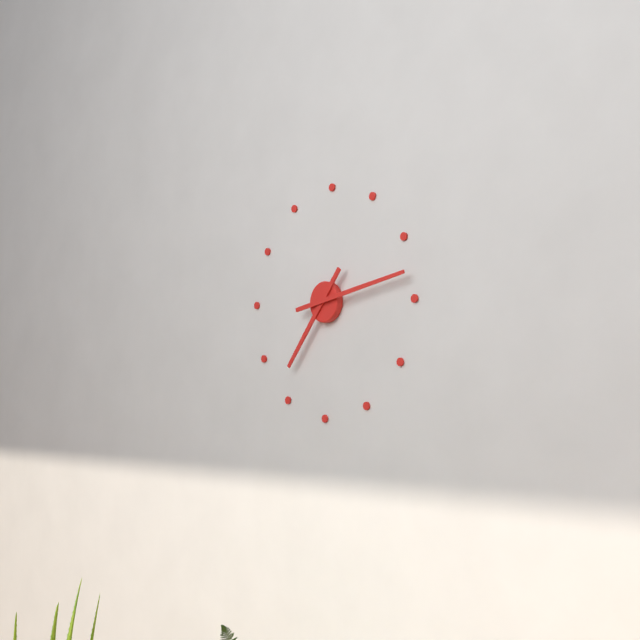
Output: 7.13
